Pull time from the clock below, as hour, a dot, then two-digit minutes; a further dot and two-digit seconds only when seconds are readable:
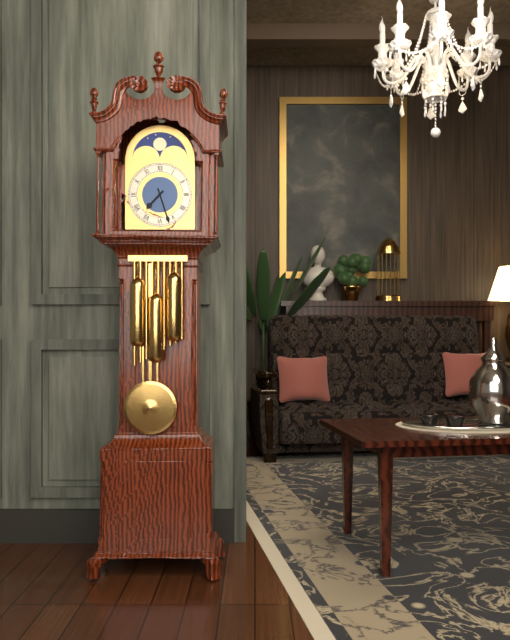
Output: 7.27
